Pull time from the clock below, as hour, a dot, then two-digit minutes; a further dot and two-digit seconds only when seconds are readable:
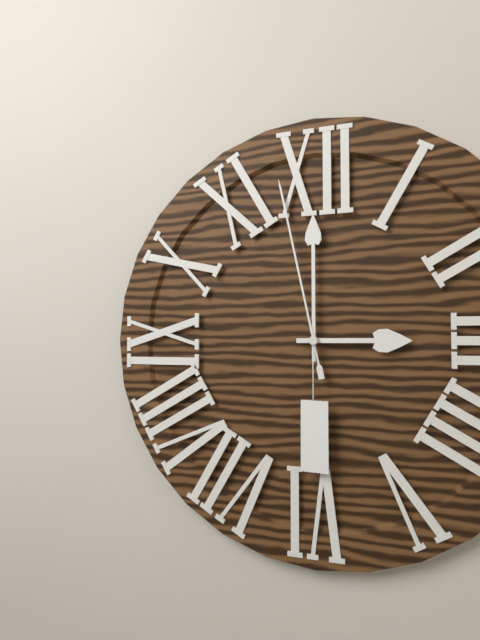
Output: 3.00.58
